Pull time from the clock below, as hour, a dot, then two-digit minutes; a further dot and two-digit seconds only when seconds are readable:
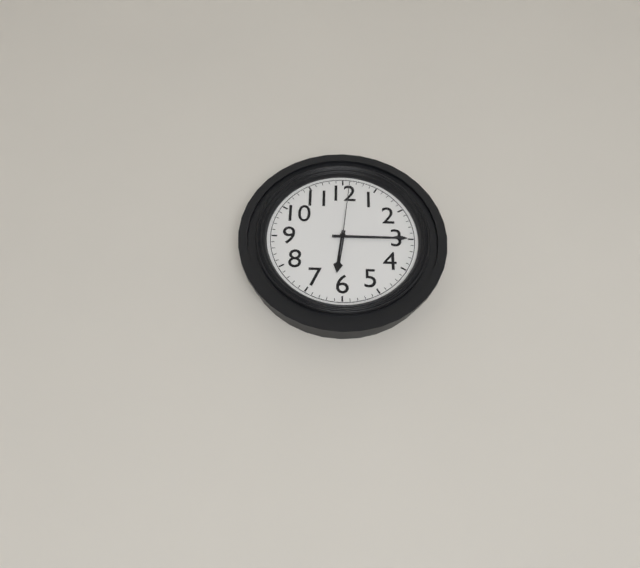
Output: 6.15.01
